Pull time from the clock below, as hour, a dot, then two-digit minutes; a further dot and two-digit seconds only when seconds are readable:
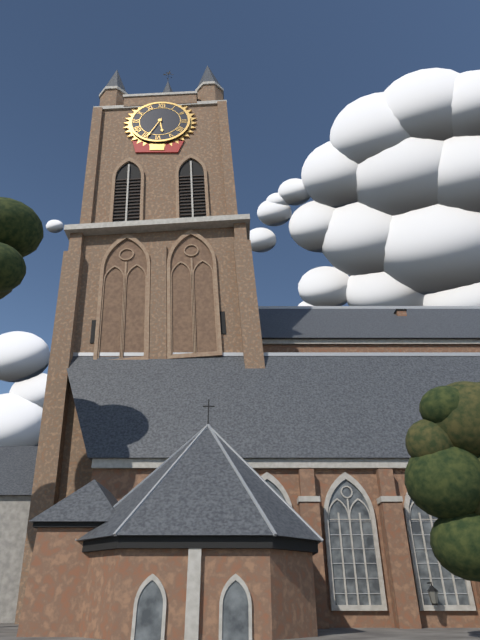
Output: 5.34
